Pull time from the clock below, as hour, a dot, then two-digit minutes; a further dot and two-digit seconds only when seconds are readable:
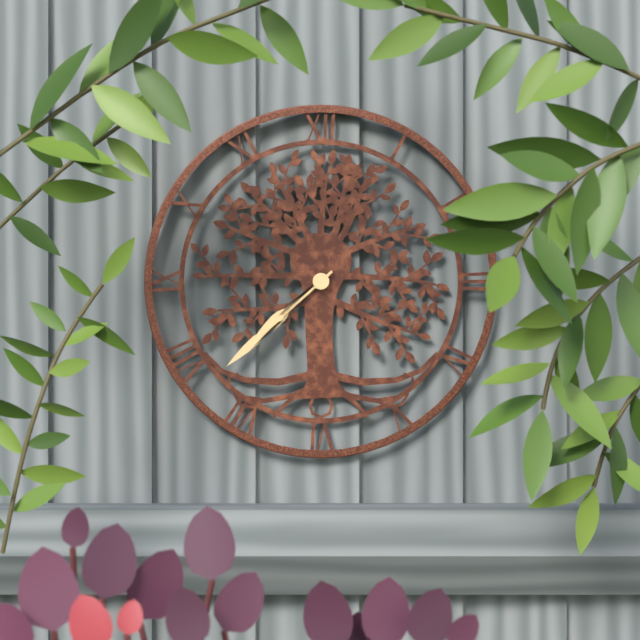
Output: 7.38
